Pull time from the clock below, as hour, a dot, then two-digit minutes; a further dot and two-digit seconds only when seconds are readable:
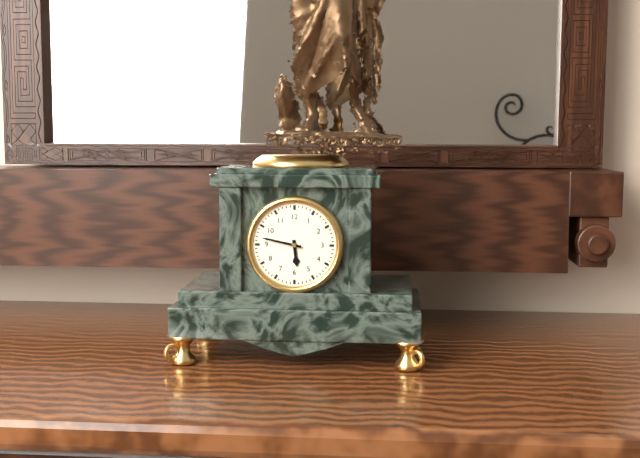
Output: 5.47
